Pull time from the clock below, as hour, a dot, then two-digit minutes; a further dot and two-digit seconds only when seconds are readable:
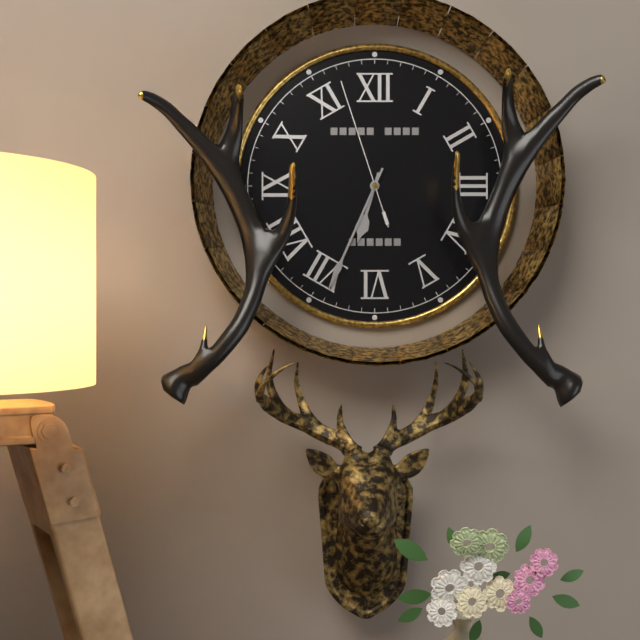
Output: 6.34.57
